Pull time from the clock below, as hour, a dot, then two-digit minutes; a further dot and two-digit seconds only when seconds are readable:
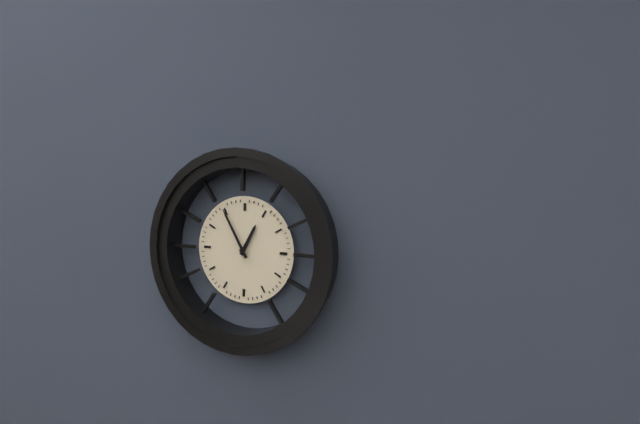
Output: 12.55
